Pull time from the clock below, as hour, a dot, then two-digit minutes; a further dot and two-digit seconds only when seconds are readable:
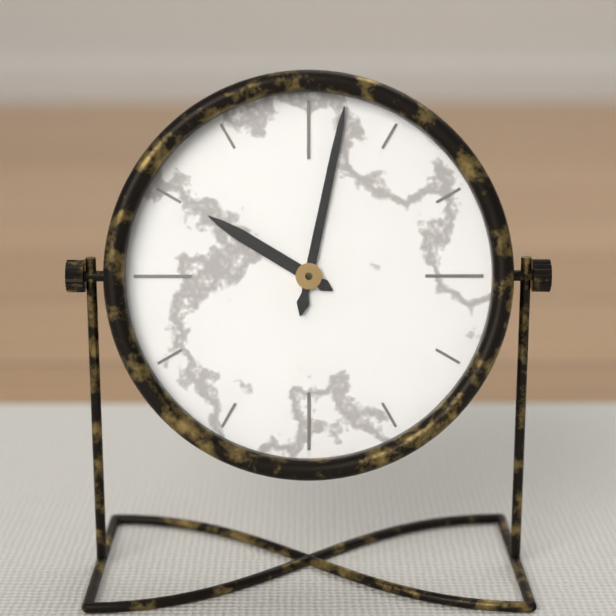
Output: 10.02
